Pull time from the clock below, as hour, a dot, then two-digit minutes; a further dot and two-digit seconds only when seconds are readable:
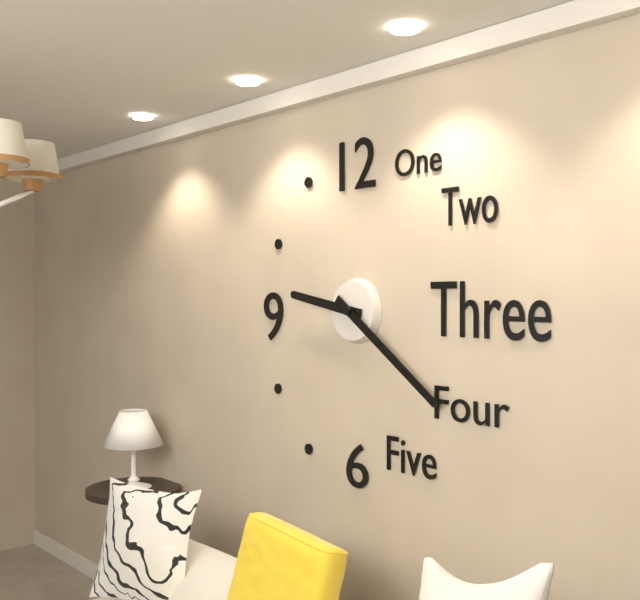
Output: 9.21
